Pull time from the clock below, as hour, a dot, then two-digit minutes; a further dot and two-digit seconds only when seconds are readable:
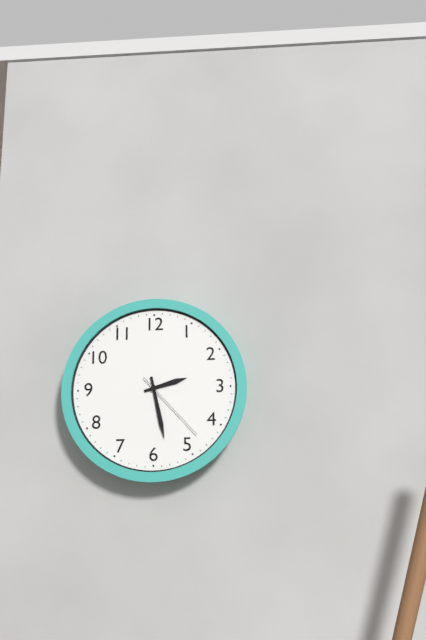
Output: 2.28.23
